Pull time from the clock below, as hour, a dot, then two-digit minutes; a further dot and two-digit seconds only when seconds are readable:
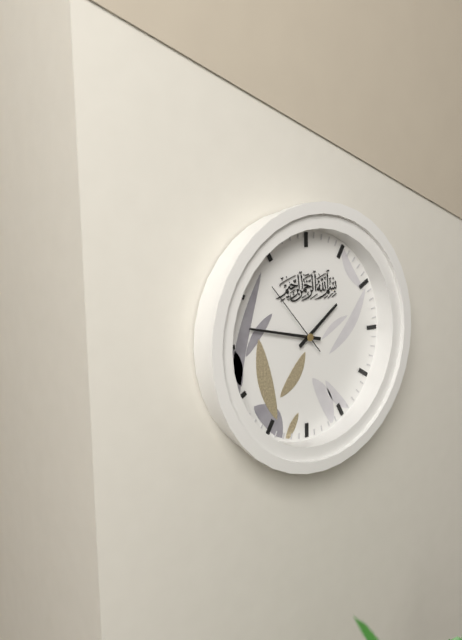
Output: 1.47.53
